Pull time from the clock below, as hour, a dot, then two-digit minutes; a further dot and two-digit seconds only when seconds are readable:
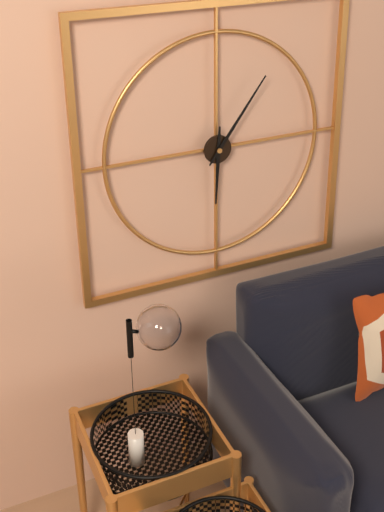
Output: 6.06
